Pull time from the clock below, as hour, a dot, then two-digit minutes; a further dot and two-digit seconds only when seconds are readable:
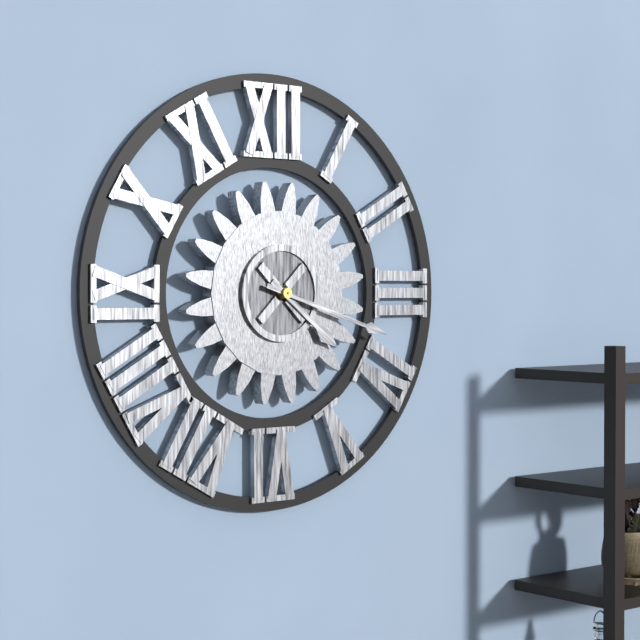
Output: 4.18
